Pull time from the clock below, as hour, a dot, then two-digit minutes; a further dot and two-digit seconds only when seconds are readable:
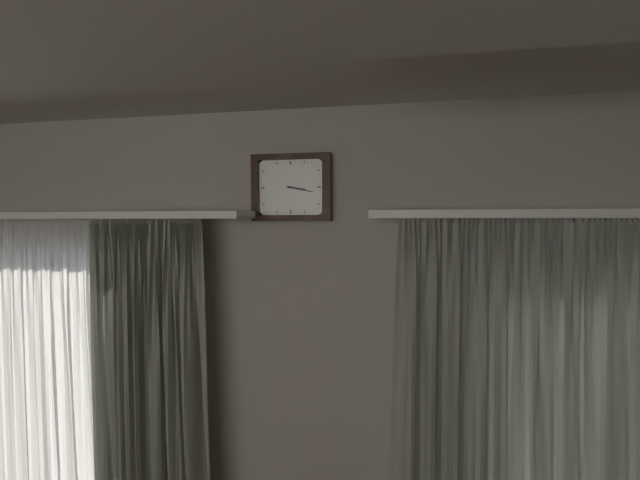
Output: 3.17
